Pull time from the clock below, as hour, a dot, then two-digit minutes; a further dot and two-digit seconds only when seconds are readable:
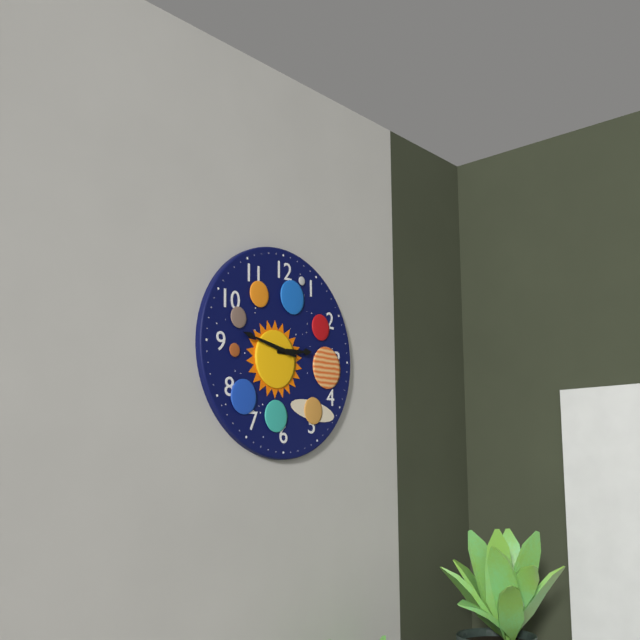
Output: 2.47
